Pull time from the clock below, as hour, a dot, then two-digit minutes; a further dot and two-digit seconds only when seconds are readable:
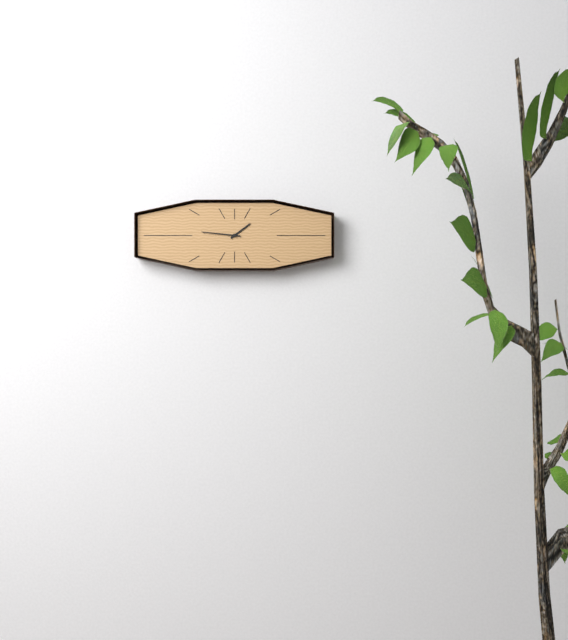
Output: 1.46
